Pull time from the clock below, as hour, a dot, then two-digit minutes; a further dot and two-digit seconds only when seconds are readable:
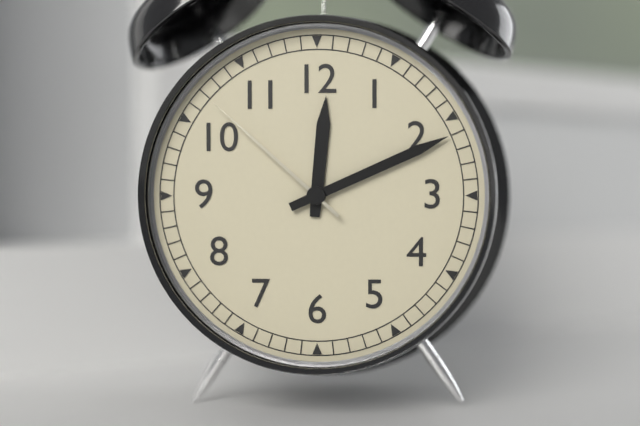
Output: 12.11.52
